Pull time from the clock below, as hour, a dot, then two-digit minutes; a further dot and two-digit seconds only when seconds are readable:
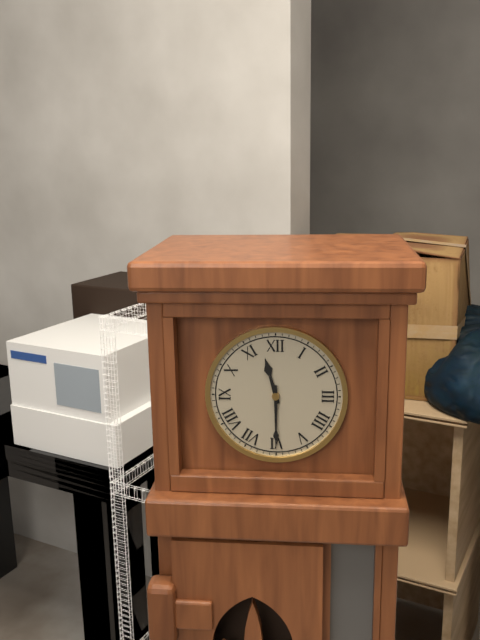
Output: 11.30
